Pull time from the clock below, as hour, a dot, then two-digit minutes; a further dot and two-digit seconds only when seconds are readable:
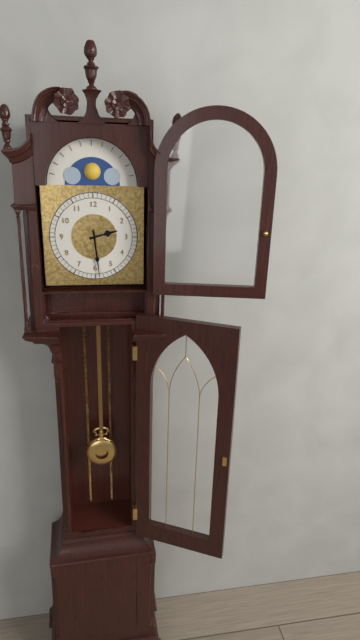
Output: 2.29
